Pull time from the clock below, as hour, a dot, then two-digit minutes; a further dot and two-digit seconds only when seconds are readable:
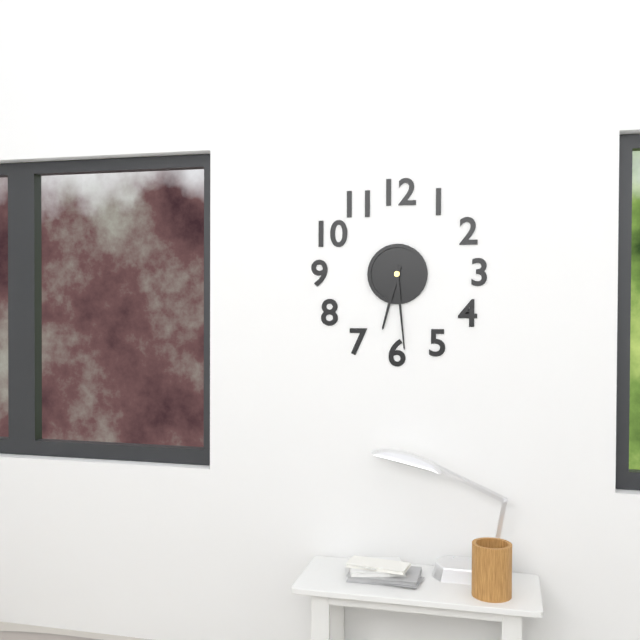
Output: 6.29
